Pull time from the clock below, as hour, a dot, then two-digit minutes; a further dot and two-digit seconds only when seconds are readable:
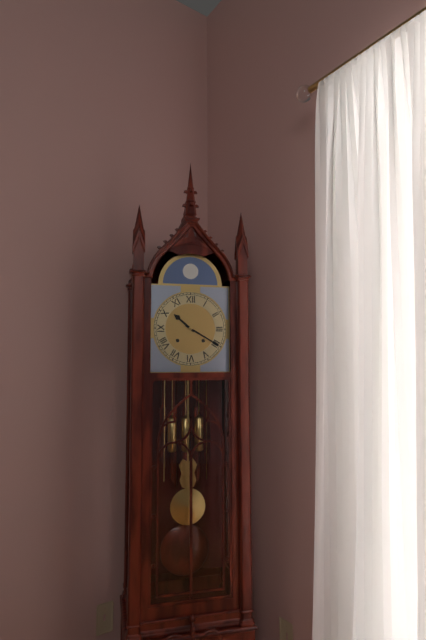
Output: 10.20
